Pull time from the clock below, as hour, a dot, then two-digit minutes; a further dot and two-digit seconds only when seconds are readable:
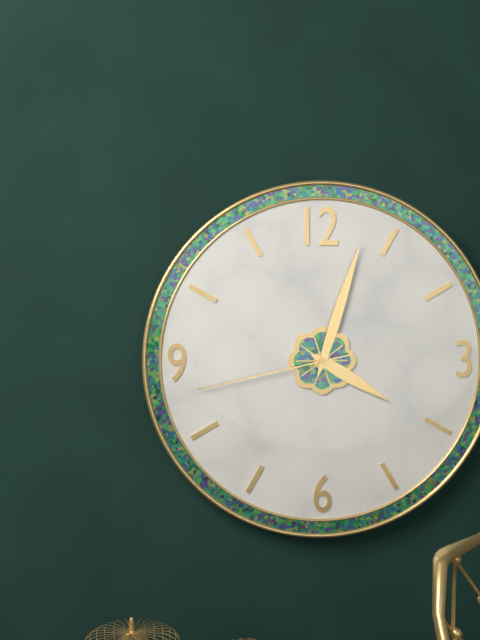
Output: 4.03.43
